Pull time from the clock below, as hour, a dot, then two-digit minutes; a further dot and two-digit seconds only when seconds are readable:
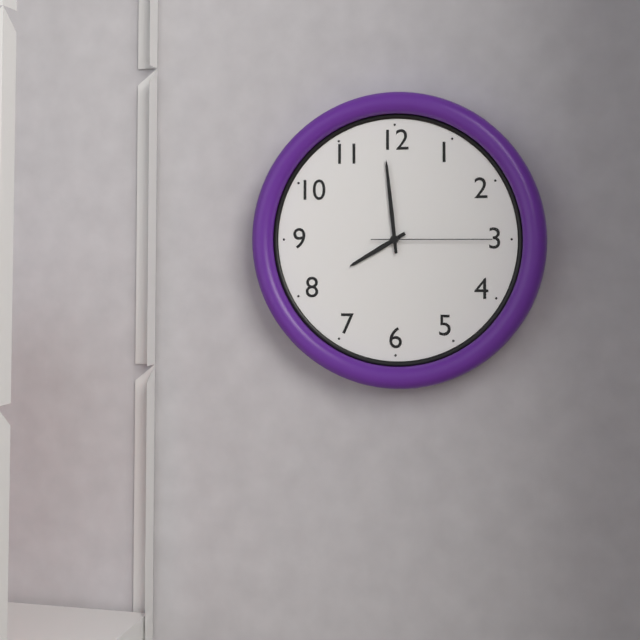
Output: 7.59.15
